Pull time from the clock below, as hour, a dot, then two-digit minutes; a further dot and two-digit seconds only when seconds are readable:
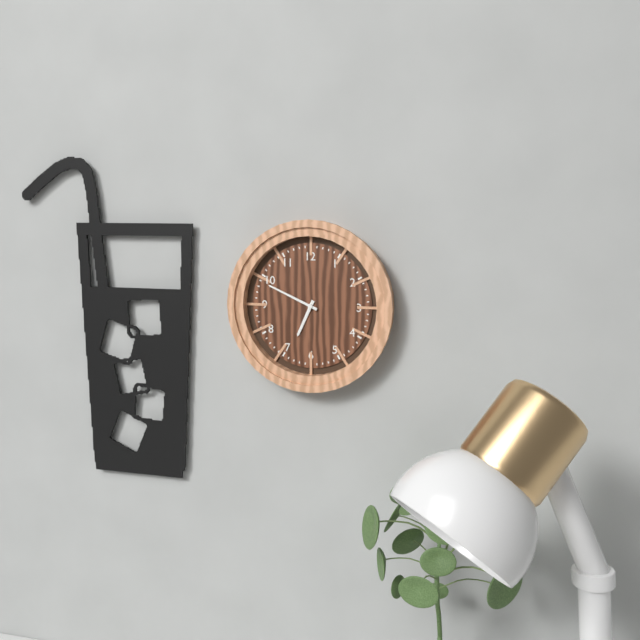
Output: 6.49
